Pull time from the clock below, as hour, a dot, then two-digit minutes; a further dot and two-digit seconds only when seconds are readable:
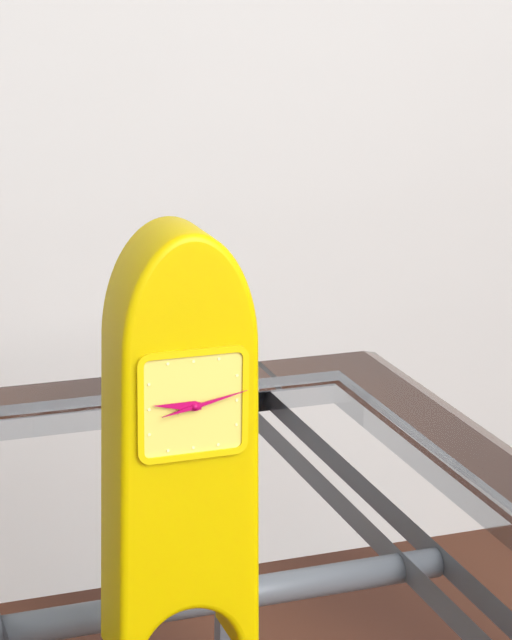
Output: 9.13
